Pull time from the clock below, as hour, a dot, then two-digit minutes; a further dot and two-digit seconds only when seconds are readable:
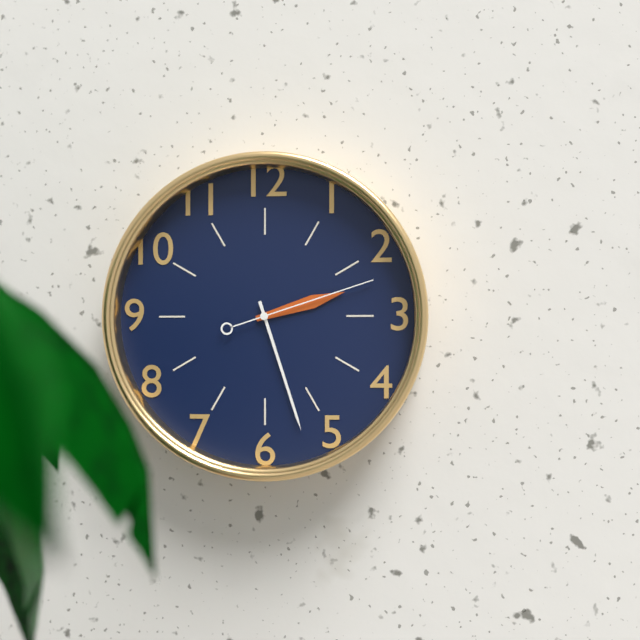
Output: 2.27.12
